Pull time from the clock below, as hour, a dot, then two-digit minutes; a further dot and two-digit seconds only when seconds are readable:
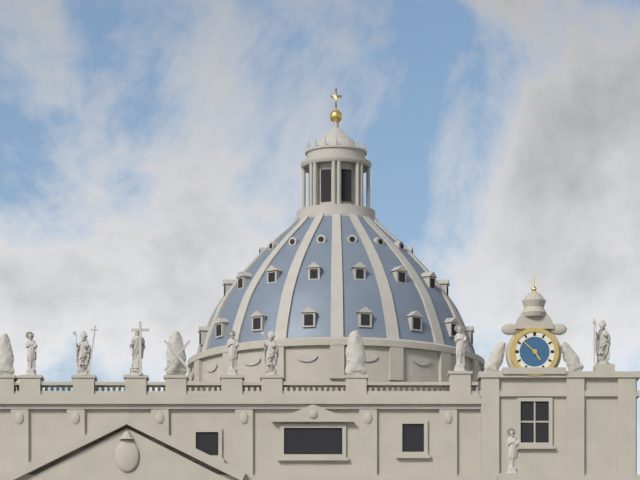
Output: 4.52
